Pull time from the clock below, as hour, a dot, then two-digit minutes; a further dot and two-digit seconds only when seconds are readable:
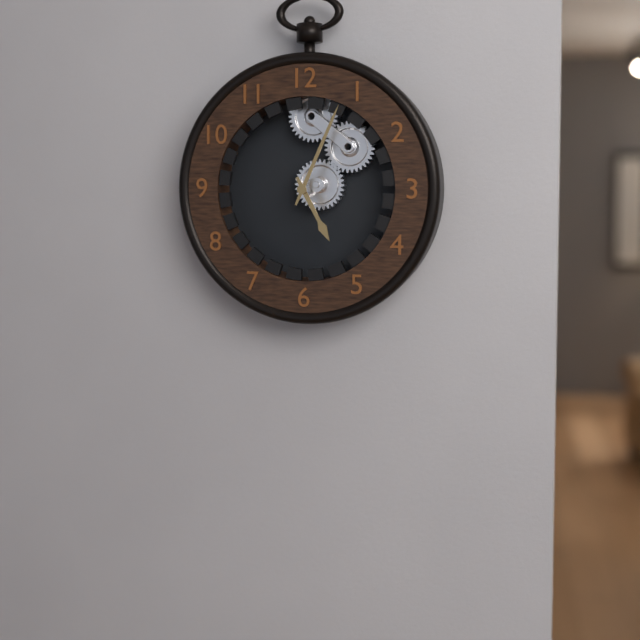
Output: 5.04
